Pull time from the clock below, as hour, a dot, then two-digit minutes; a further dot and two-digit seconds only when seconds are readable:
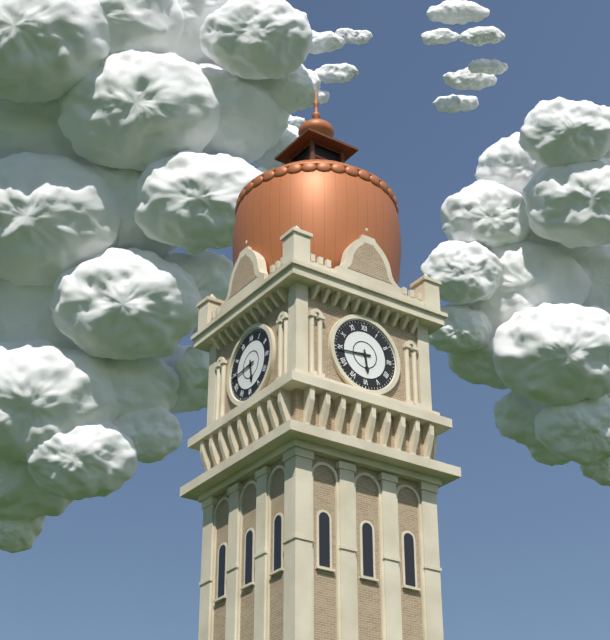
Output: 5.44
